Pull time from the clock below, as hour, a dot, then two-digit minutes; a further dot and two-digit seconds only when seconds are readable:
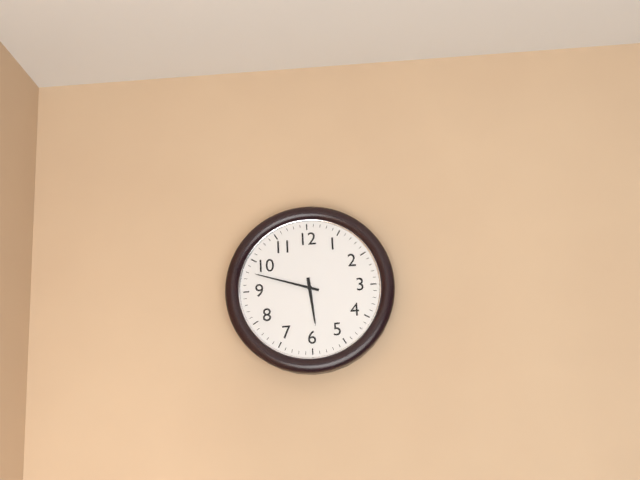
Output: 5.48
